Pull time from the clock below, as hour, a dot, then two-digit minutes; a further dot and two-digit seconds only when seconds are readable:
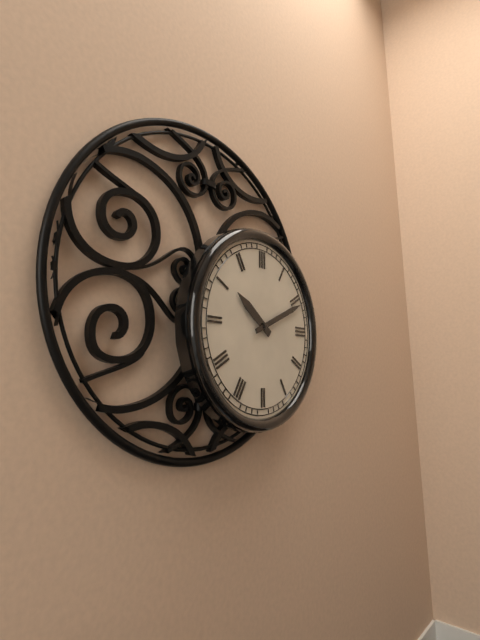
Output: 10.11
